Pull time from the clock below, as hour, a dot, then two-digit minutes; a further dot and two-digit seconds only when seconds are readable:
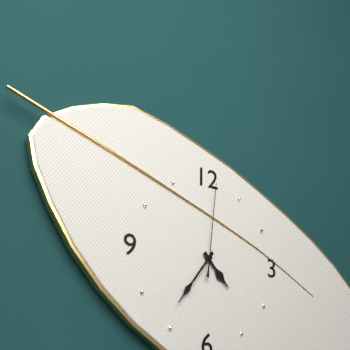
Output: 4.36.01
